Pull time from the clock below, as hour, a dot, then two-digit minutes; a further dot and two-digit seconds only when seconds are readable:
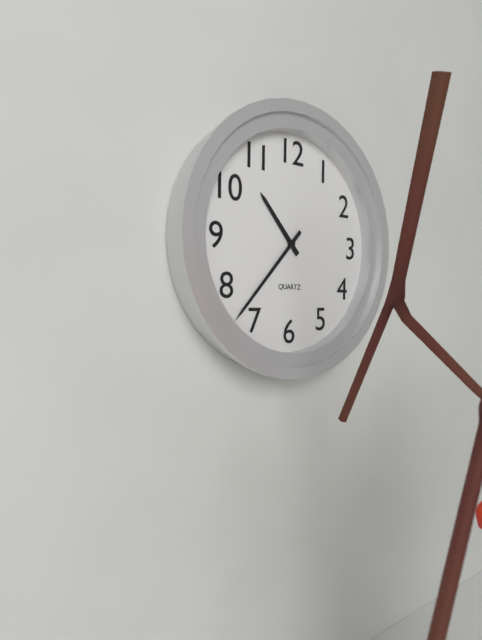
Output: 10.37
